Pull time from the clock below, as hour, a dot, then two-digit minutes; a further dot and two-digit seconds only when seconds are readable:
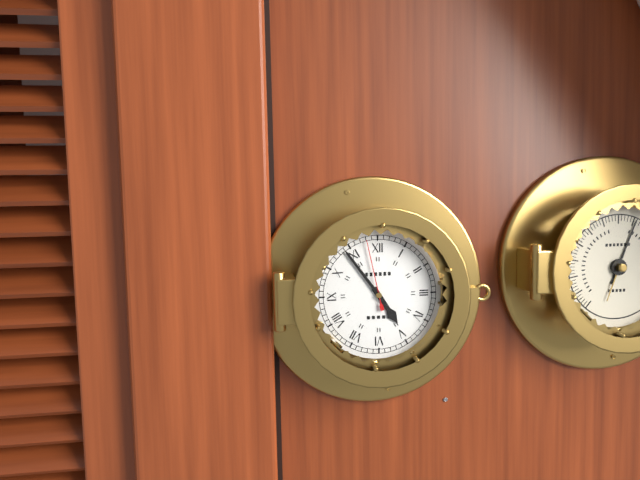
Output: 4.54.58
